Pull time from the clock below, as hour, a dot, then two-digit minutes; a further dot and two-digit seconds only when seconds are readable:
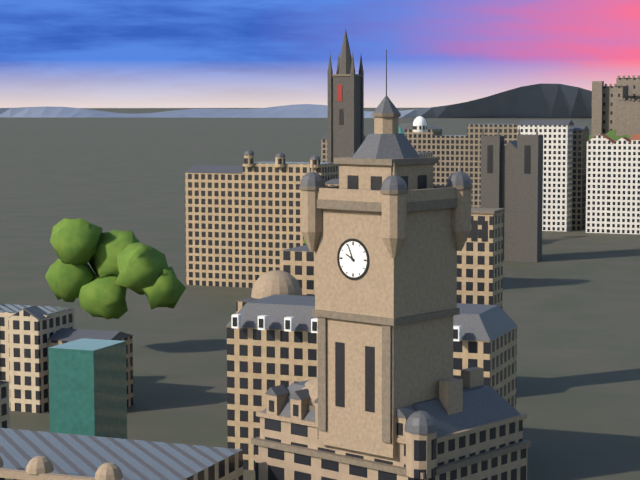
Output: 9.56
